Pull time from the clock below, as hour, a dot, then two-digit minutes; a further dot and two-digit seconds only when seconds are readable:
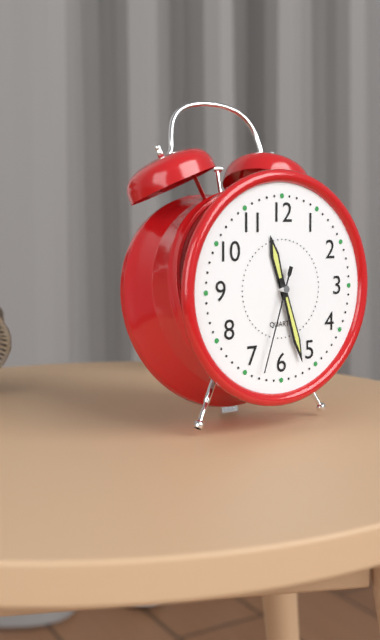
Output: 11.27.33
